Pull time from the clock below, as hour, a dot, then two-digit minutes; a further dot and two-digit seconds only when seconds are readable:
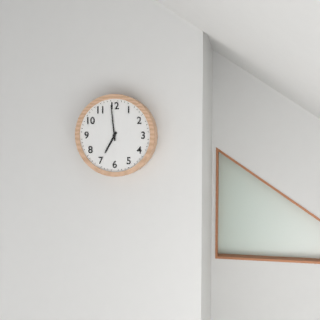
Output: 6.59
